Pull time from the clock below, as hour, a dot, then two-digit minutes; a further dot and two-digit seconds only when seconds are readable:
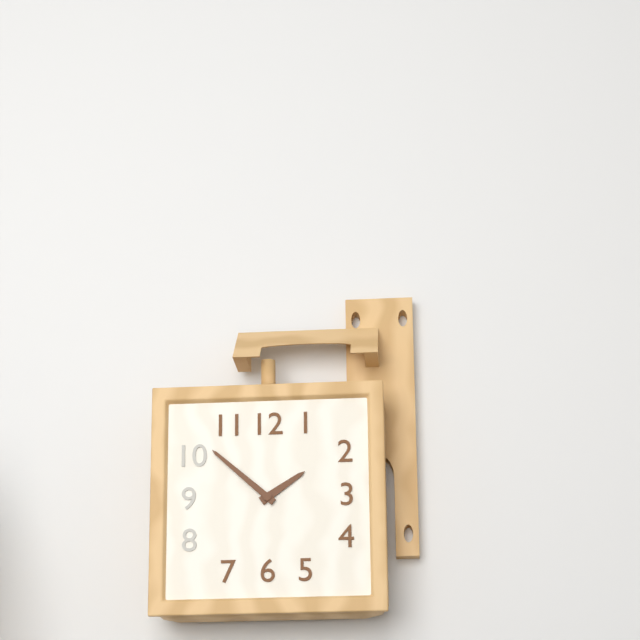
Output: 1.52
